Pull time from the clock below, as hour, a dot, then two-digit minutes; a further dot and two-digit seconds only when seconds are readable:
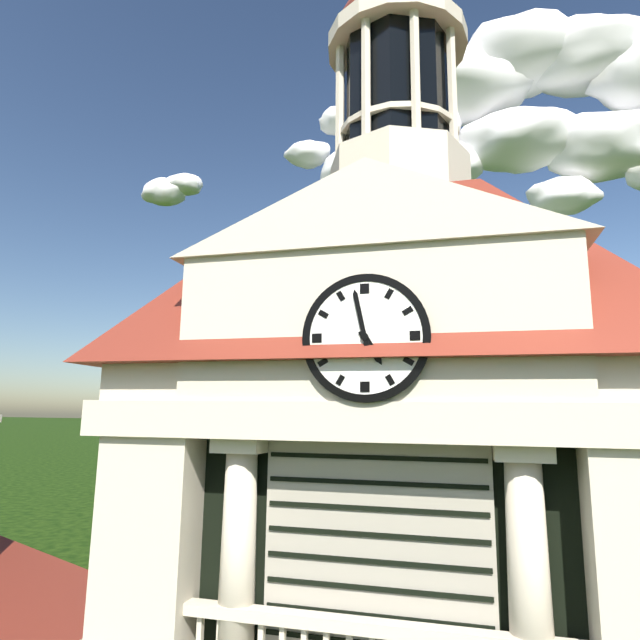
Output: 4.58
